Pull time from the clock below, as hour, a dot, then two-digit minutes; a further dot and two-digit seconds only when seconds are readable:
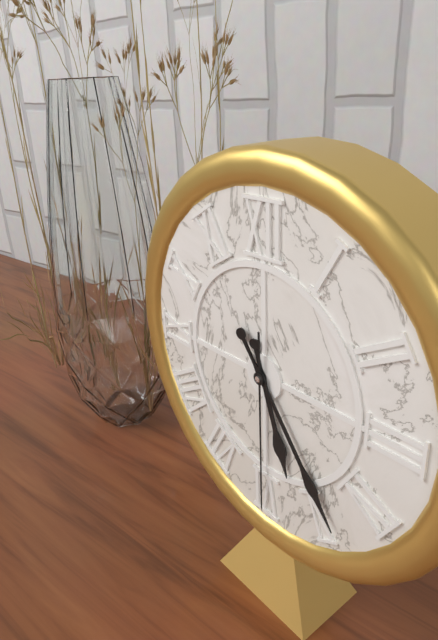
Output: 5.24.30
